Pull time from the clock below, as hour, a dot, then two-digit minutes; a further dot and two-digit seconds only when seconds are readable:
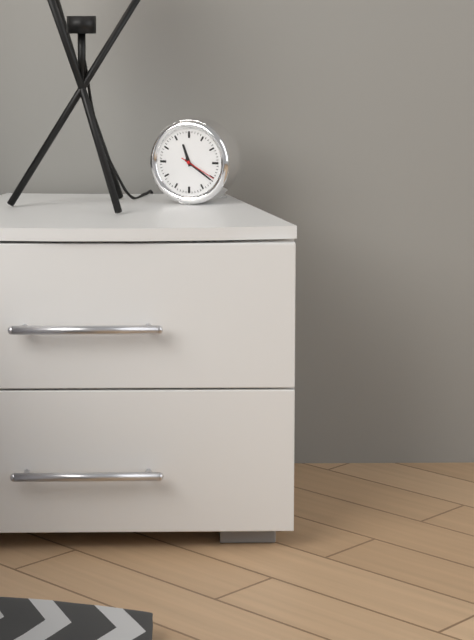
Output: 11.21
